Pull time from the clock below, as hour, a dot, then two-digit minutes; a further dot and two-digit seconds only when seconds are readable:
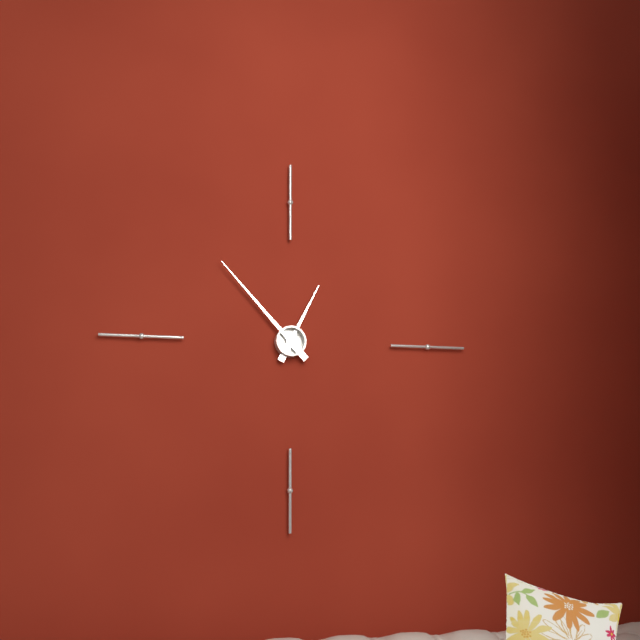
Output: 12.53
